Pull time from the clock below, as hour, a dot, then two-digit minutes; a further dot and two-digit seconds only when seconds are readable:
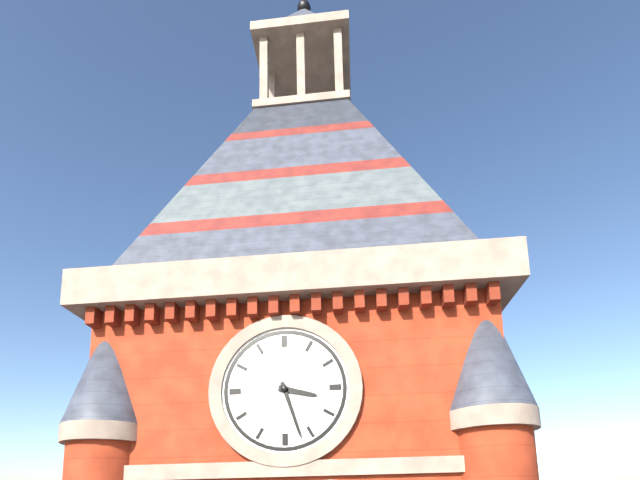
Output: 3.27
